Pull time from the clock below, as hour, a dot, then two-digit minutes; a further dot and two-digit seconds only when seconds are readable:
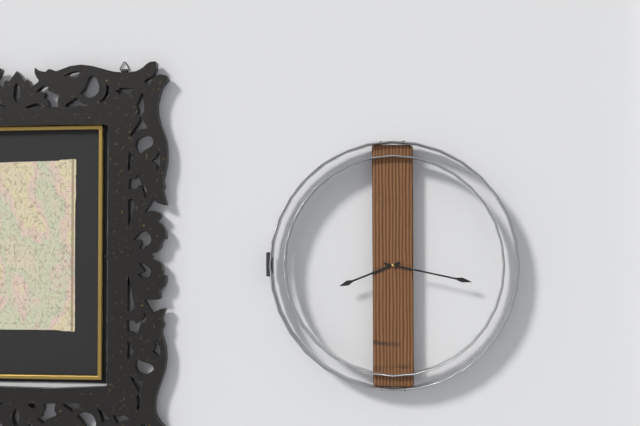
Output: 8.17
